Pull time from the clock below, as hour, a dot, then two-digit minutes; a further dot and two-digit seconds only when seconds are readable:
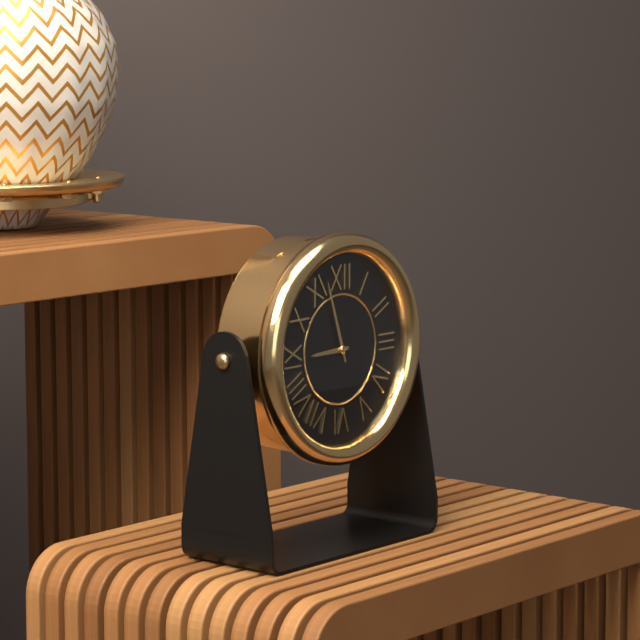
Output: 8.57
